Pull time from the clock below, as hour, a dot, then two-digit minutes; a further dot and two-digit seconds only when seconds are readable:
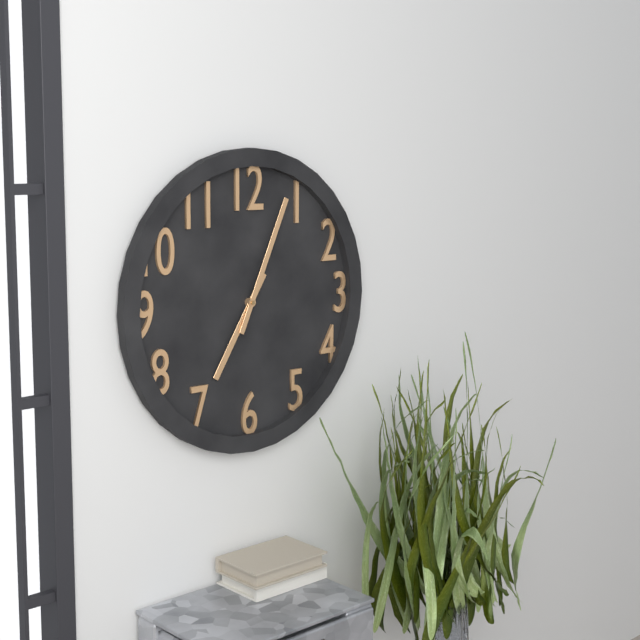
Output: 7.04
